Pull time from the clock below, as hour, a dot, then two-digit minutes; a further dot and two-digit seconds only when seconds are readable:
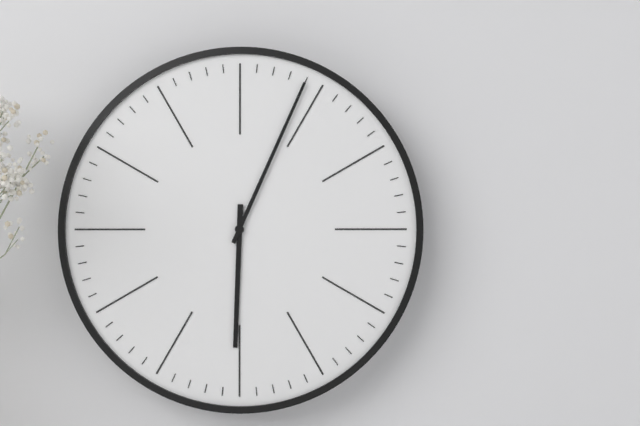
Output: 6.04
